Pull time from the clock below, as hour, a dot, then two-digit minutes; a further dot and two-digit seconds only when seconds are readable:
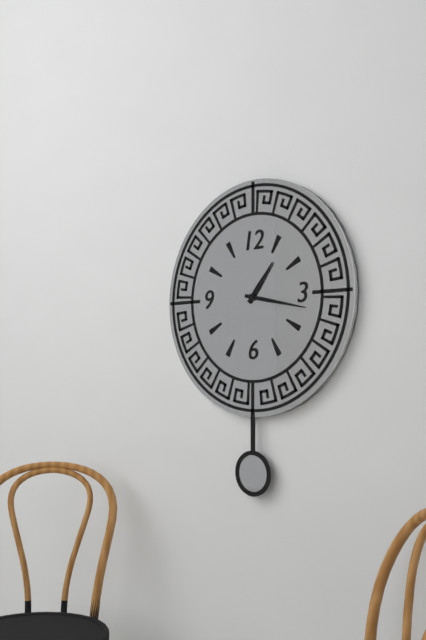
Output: 1.17
